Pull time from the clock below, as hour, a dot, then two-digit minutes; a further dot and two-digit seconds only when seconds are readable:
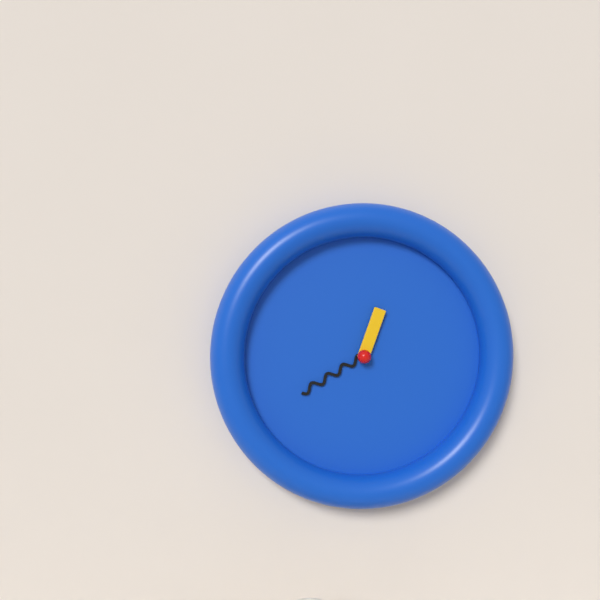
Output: 12.40
